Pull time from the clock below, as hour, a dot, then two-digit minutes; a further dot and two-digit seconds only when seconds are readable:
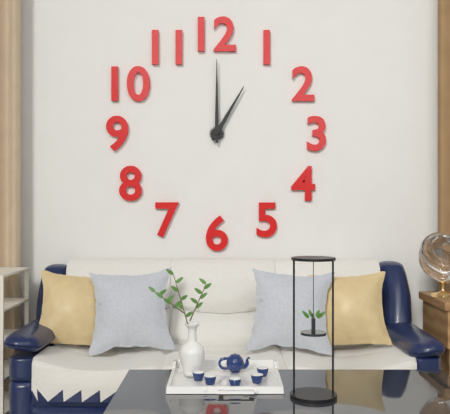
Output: 1.00
